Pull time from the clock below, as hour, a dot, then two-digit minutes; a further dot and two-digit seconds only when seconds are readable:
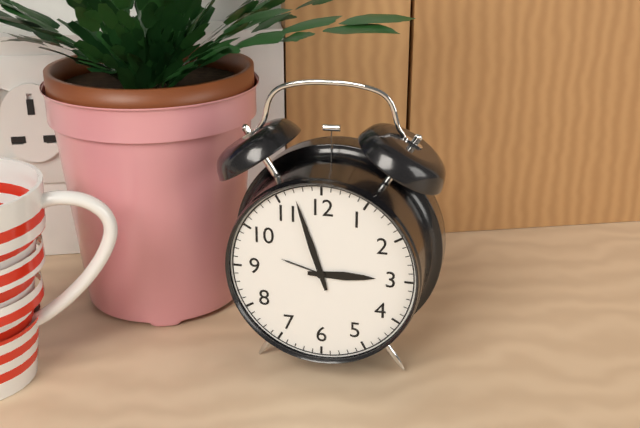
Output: 2.57
